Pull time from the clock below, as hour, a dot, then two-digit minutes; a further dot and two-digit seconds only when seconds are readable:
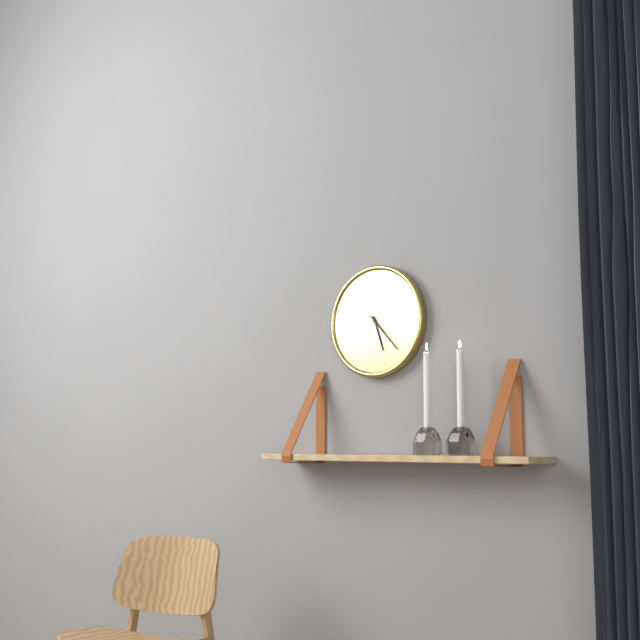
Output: 5.23
